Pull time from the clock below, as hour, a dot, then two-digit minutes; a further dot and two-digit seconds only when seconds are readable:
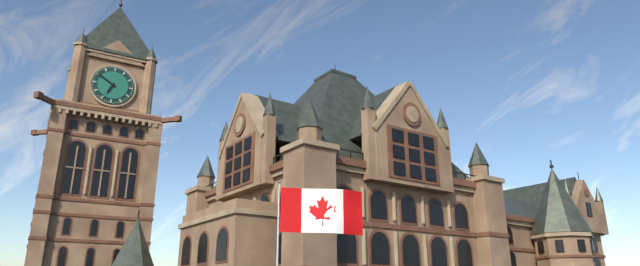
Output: 6.50
